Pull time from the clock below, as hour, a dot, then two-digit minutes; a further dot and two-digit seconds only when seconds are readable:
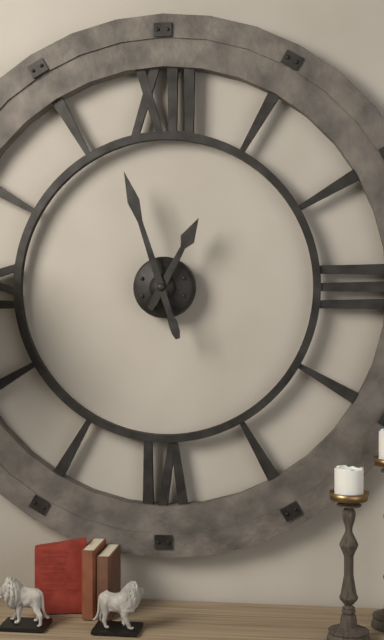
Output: 12.57
